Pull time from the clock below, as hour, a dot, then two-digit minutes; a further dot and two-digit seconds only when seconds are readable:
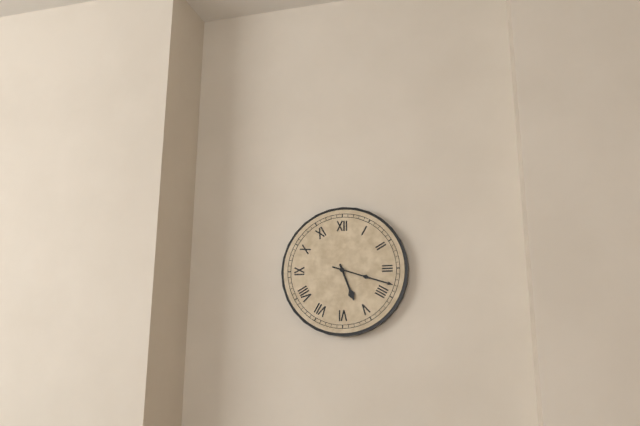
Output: 5.18
